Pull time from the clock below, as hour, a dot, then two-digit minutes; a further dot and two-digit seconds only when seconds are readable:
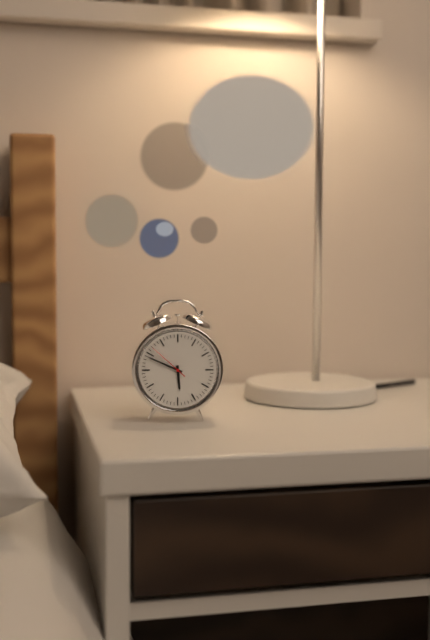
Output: 5.49
